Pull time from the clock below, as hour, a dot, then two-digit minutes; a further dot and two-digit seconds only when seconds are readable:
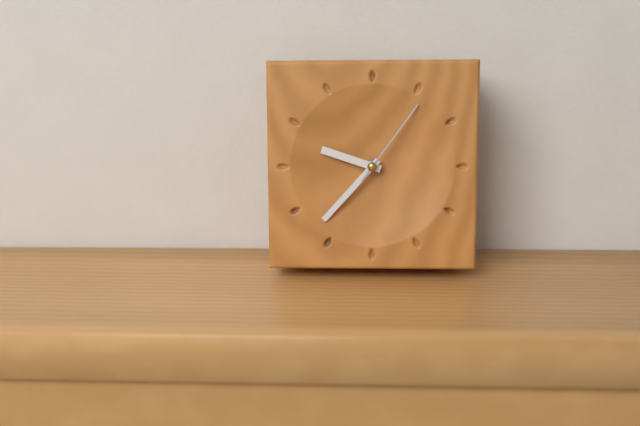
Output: 9.37.06
